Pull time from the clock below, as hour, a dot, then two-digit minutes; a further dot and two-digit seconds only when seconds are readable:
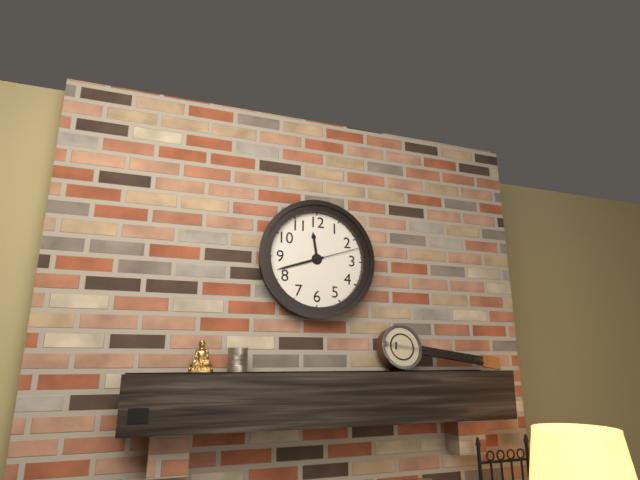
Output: 11.42.12
